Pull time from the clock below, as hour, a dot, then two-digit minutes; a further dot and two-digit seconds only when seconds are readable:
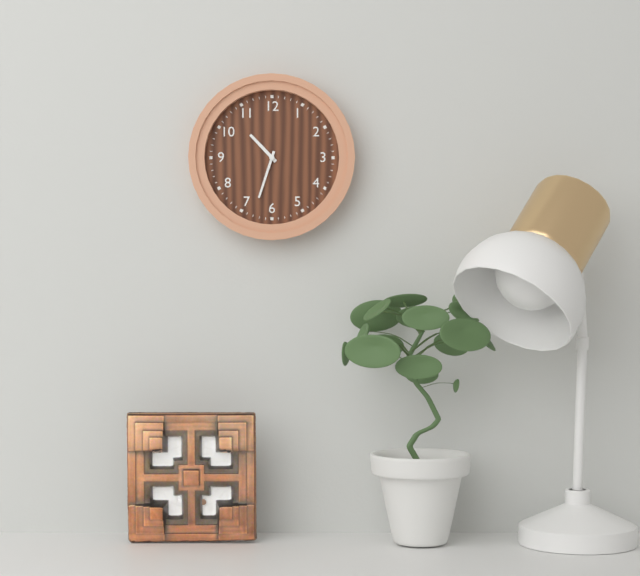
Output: 10.33
